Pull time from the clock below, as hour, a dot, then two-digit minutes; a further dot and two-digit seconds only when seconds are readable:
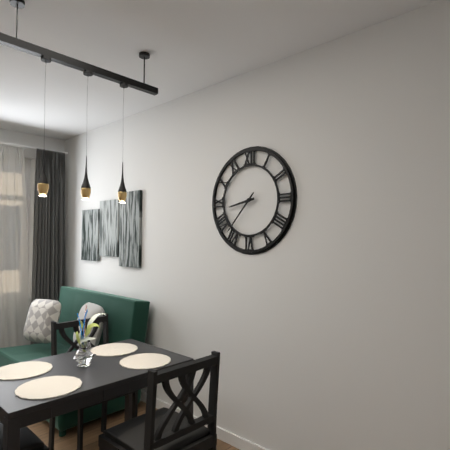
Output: 8.37
